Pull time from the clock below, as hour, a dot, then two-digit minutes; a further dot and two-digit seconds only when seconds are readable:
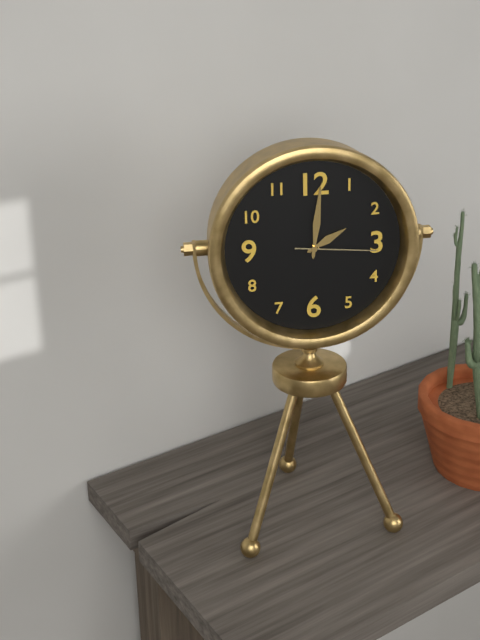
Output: 2.01.16
